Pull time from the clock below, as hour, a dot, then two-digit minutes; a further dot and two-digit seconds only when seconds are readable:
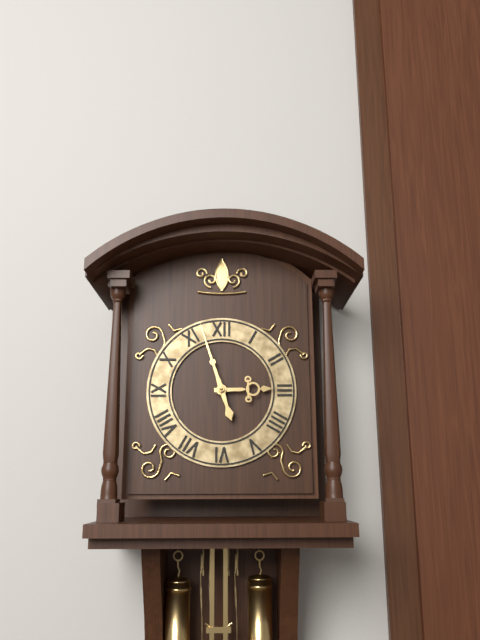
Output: 2.57
